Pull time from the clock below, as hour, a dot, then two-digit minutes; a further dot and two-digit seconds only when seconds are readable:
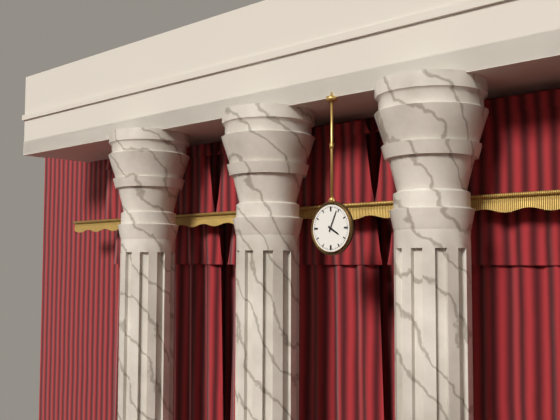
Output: 4.04
